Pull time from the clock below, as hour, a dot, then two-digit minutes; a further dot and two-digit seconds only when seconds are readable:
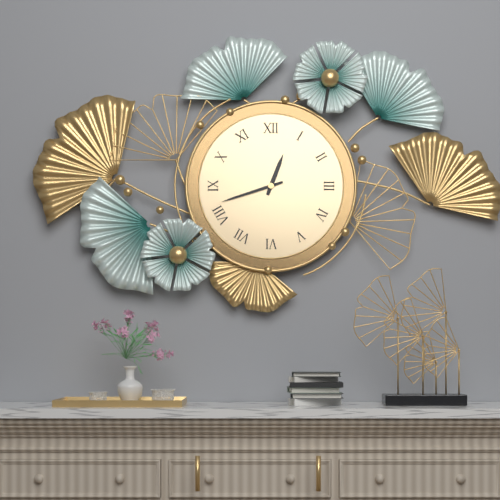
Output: 12.42
